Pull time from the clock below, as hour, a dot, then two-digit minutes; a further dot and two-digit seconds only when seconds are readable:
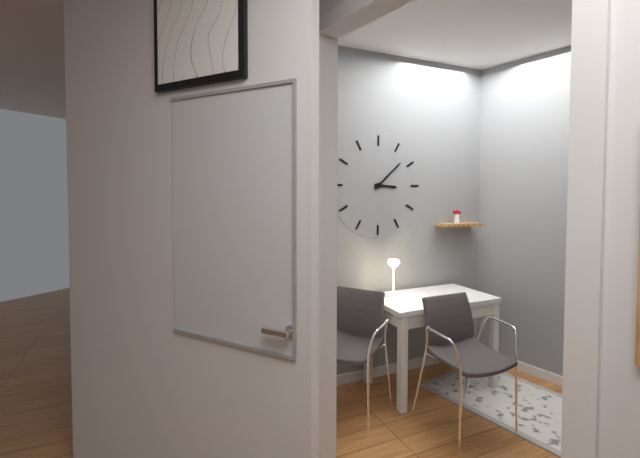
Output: 3.08
